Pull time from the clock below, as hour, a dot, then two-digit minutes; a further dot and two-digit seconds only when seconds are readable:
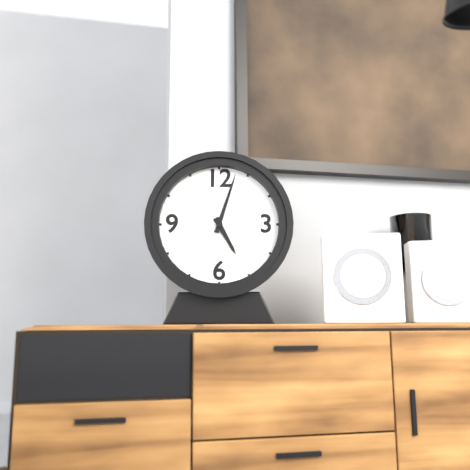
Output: 5.03
